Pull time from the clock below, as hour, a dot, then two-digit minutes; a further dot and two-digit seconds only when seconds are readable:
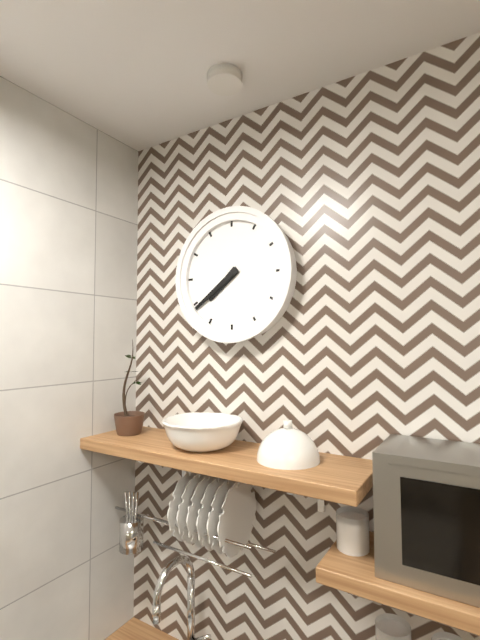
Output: 7.39
